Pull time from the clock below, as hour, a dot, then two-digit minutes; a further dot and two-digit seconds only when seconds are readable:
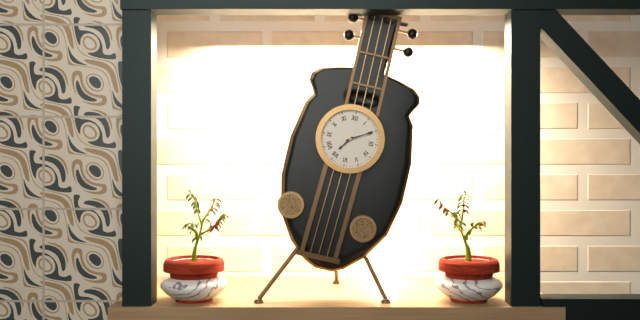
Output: 7.10
